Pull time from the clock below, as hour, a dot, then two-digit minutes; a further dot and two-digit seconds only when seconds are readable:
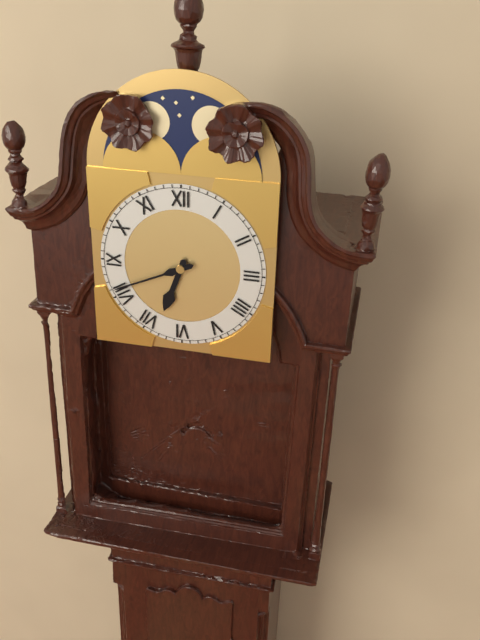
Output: 6.41
